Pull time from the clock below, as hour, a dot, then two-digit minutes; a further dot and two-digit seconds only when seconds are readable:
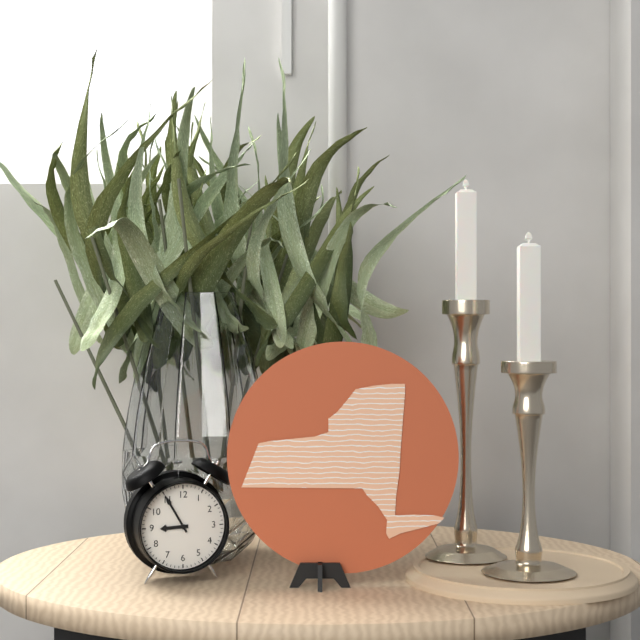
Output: 8.55
